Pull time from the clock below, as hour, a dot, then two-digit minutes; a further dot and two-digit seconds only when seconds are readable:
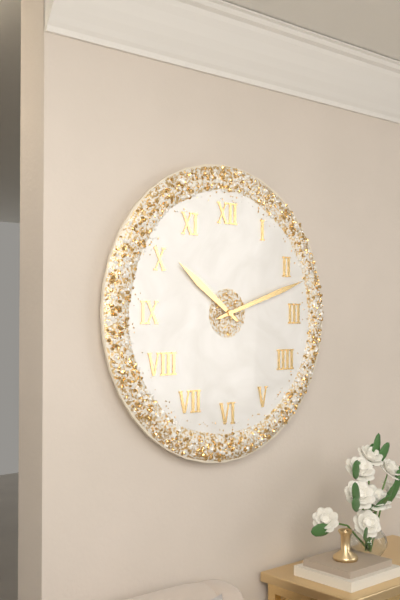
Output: 10.12
